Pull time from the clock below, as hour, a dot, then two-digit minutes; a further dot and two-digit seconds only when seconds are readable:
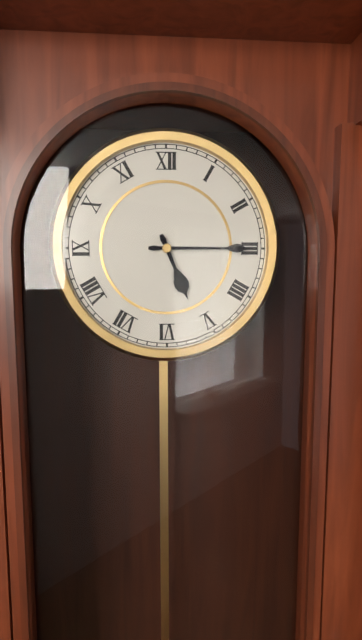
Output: 5.15
